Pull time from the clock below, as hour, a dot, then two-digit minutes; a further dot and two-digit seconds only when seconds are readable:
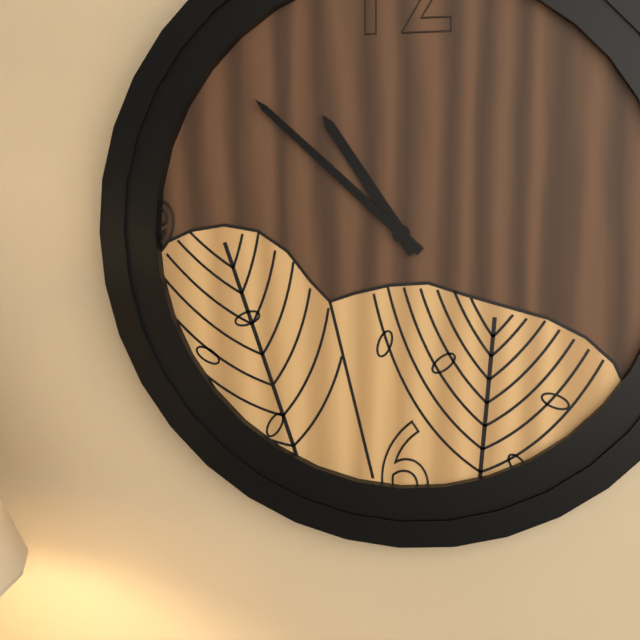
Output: 10.52
